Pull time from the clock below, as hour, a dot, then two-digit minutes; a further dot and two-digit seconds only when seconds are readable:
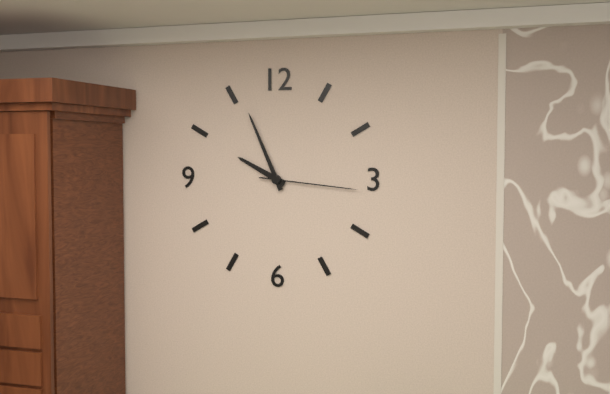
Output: 9.56.16
